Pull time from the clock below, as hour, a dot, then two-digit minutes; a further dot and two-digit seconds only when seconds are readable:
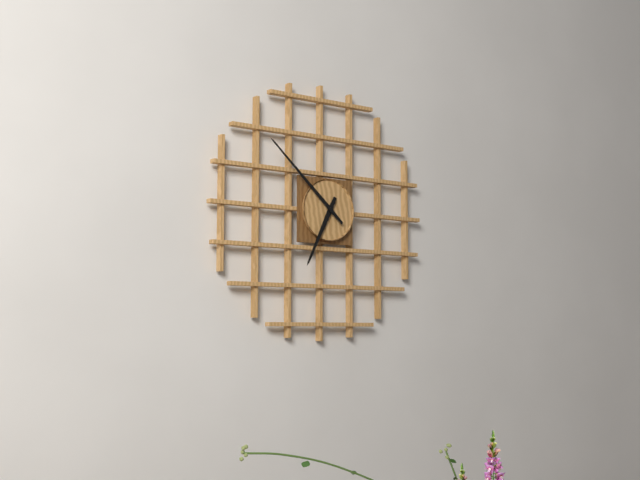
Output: 6.52
